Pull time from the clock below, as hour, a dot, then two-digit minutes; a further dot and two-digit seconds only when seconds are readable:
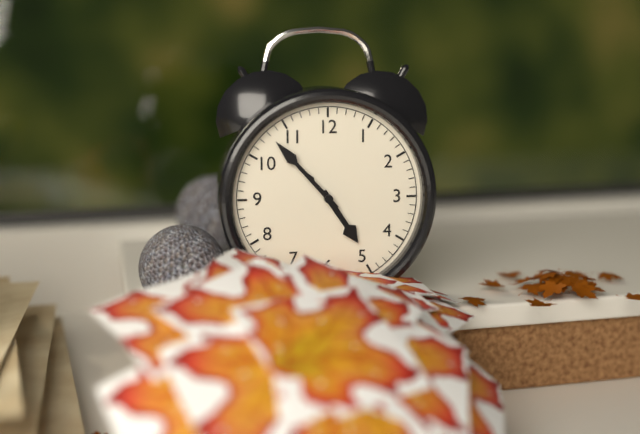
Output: 4.53
